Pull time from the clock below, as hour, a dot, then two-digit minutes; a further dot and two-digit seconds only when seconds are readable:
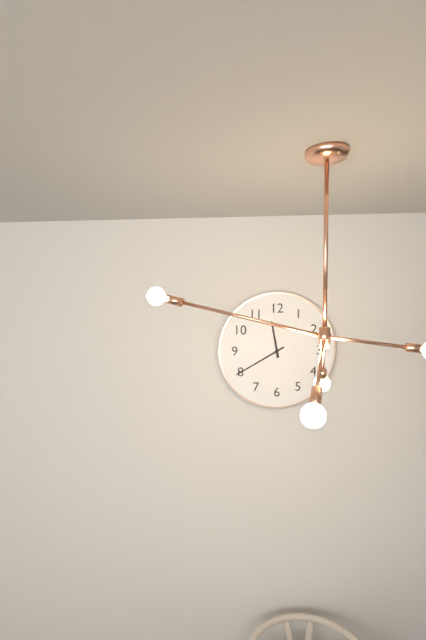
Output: 11.40
